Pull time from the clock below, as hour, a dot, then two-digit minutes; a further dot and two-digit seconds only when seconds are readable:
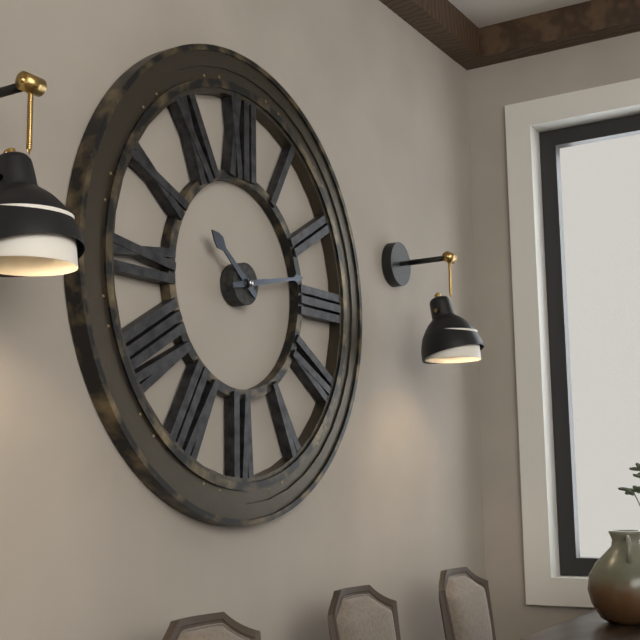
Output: 10.13
